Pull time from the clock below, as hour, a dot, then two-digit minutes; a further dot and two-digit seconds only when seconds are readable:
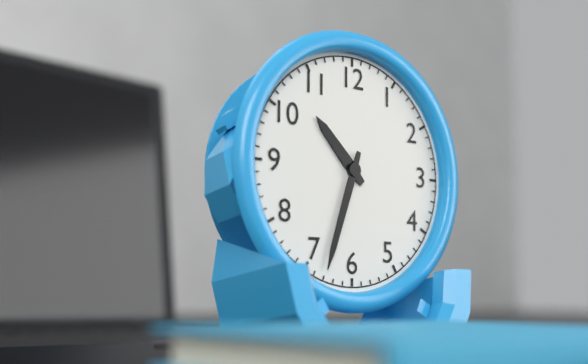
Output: 10.33
